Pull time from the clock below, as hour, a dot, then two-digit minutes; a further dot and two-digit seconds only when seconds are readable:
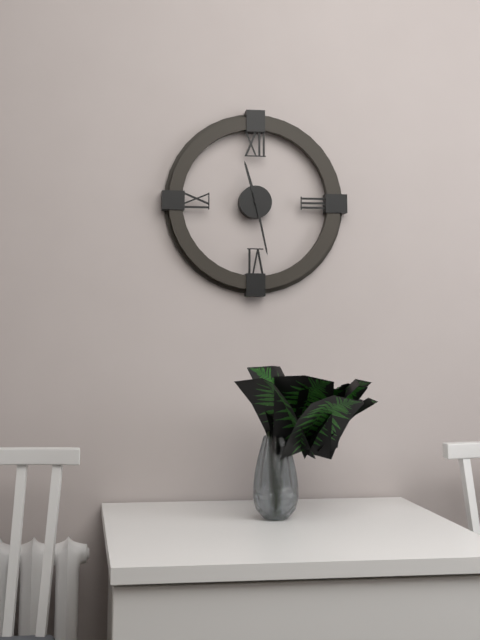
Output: 11.28
